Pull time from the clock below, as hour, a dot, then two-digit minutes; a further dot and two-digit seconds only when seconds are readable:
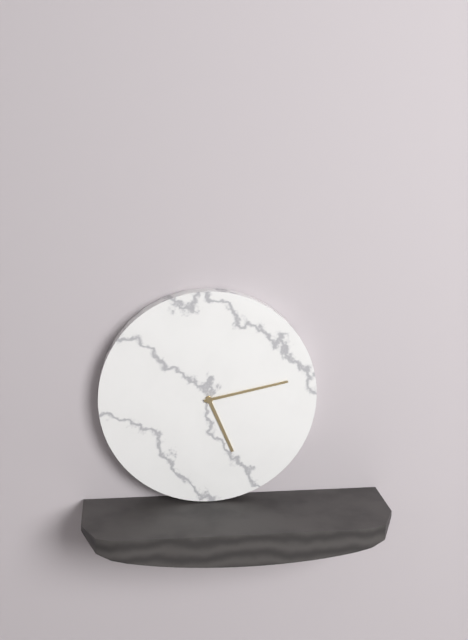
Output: 5.13
